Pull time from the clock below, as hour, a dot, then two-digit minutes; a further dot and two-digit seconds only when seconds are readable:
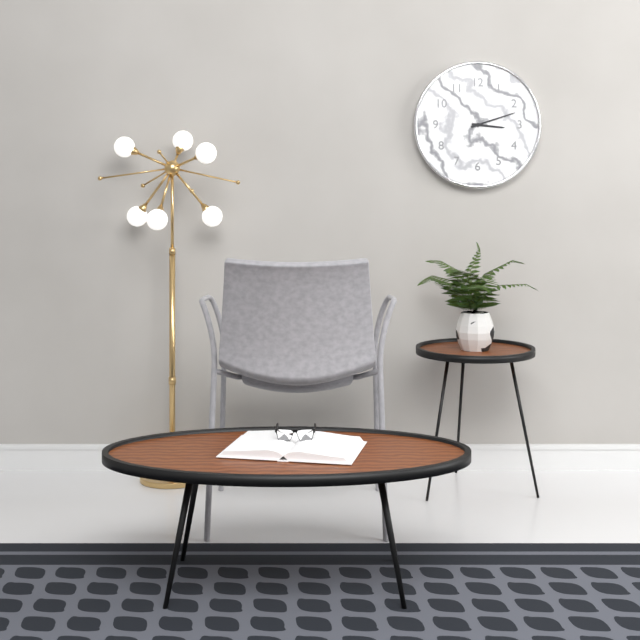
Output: 3.12
